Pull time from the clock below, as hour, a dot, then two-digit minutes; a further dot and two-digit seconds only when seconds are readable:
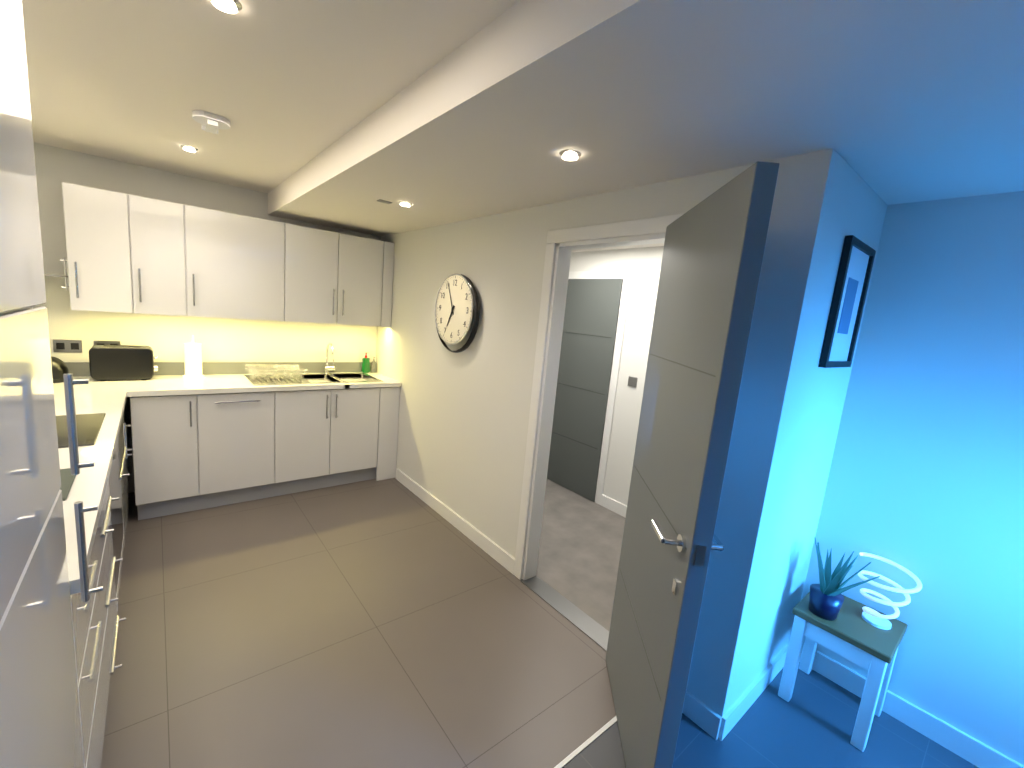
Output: 6.56
